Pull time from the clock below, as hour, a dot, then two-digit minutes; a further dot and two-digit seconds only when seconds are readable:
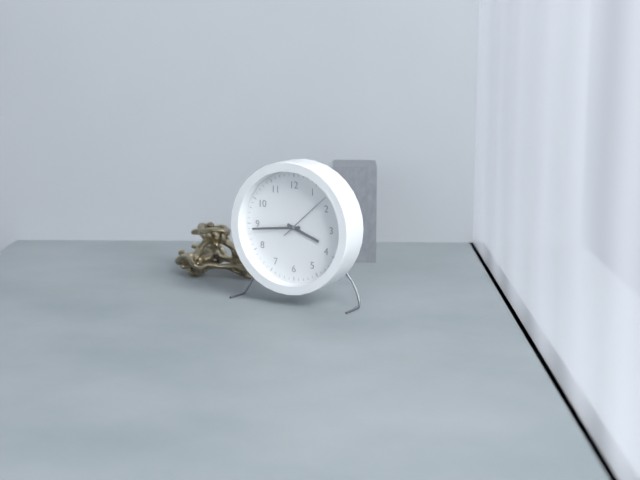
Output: 3.44.08
